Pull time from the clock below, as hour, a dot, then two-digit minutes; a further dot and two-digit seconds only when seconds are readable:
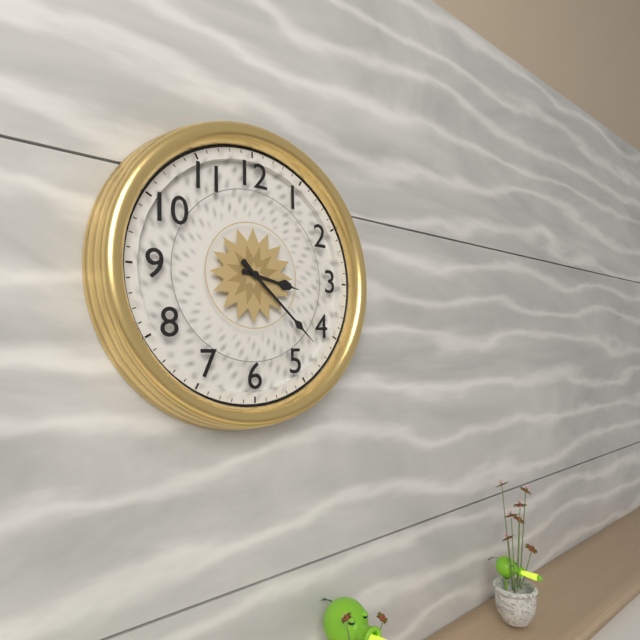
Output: 3.22
